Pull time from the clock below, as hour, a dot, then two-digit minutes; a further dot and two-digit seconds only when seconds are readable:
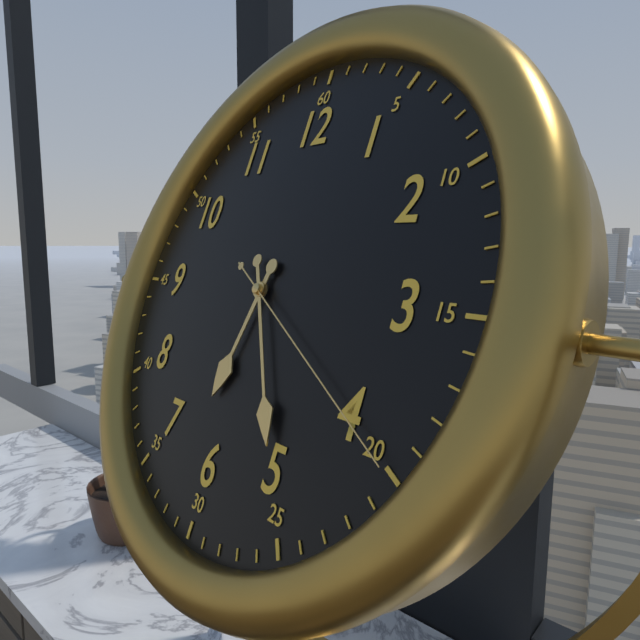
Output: 6.25.20
